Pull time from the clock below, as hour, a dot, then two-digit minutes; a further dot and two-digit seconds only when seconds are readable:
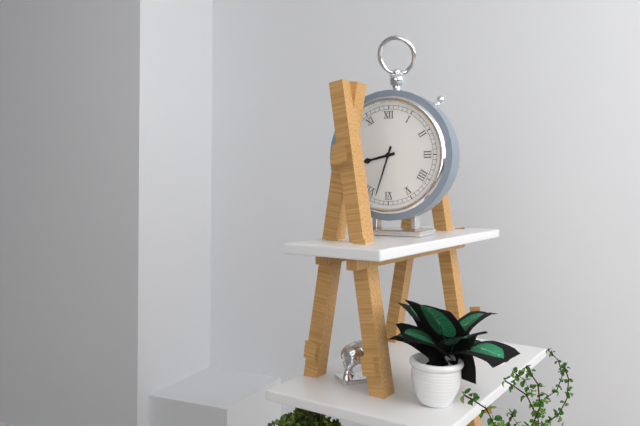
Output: 8.33
